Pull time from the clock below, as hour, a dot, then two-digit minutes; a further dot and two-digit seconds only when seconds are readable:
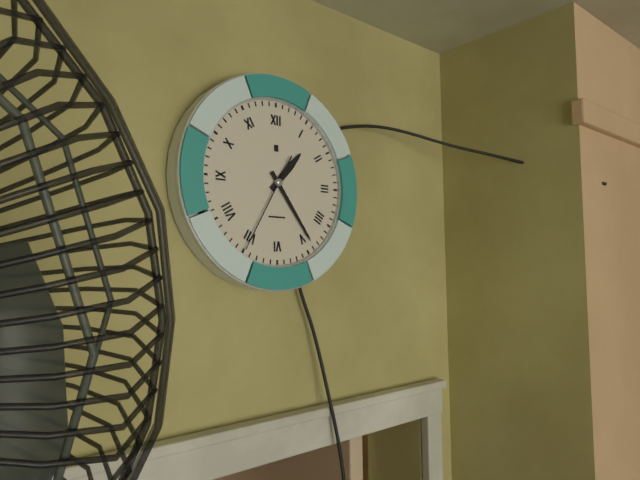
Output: 1.24.35
